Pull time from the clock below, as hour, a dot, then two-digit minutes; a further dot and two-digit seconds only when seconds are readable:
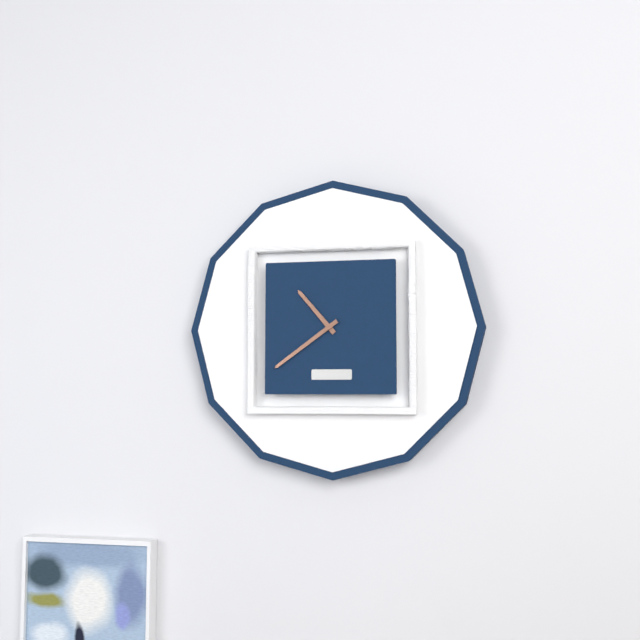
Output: 10.39
